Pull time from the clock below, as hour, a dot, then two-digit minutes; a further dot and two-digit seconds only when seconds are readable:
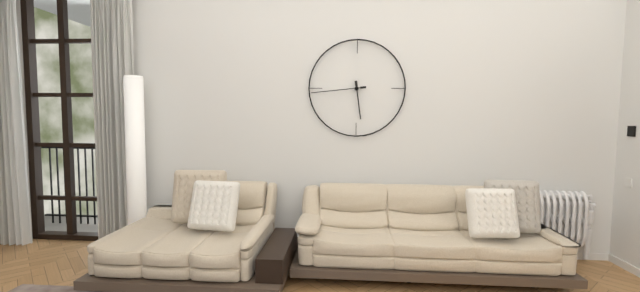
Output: 5.44
